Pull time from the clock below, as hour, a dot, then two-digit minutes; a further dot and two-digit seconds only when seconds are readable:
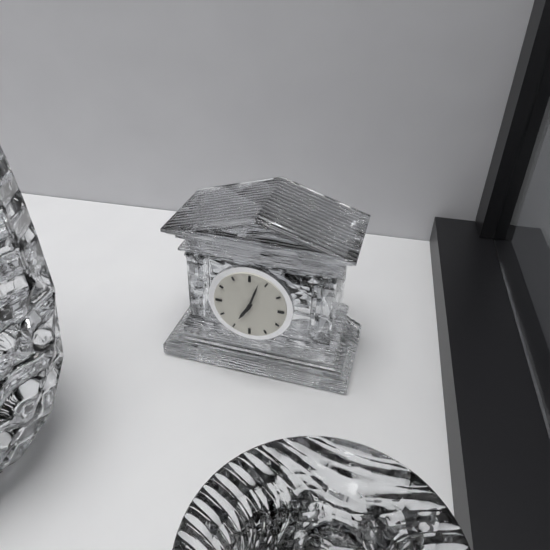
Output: 7.03
